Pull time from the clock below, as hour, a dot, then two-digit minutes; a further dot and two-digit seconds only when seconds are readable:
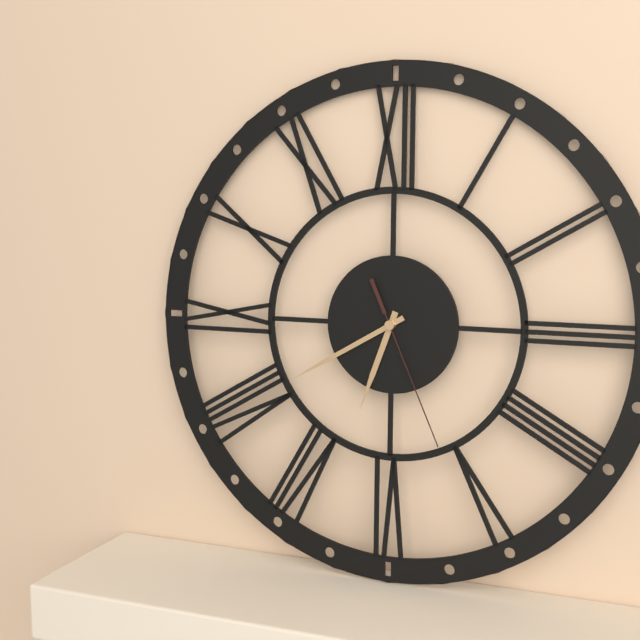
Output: 6.40.26
